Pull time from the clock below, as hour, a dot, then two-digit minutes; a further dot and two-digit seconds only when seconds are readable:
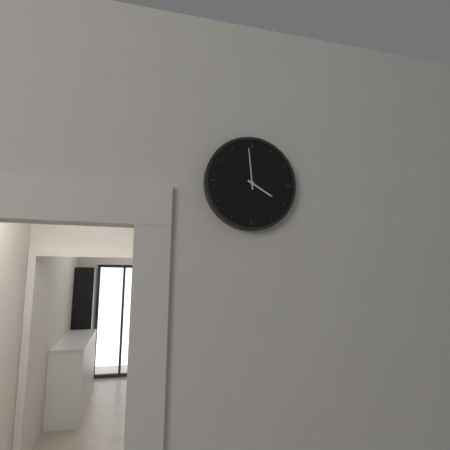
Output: 3.59
